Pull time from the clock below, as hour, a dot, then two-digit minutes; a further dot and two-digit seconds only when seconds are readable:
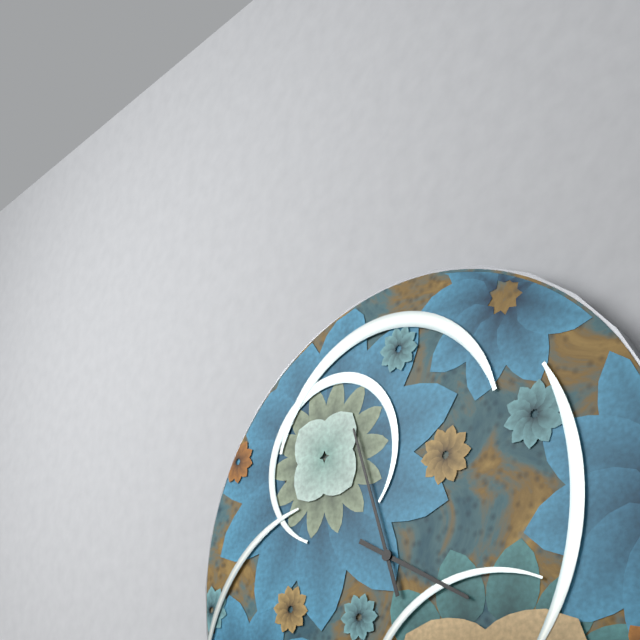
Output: 3.57
